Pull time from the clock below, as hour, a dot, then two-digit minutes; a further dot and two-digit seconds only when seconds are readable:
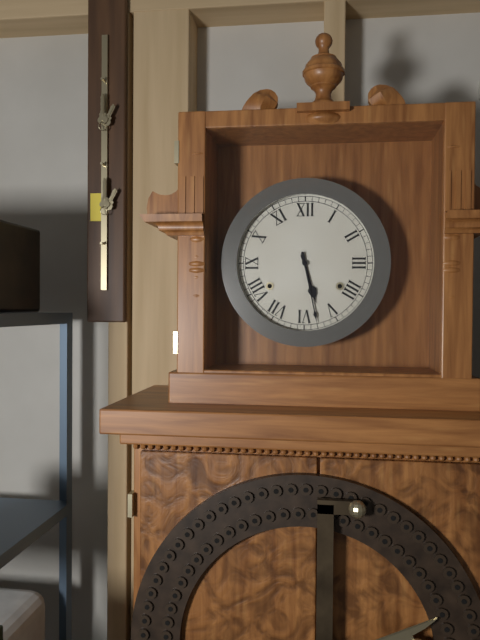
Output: 5.28
